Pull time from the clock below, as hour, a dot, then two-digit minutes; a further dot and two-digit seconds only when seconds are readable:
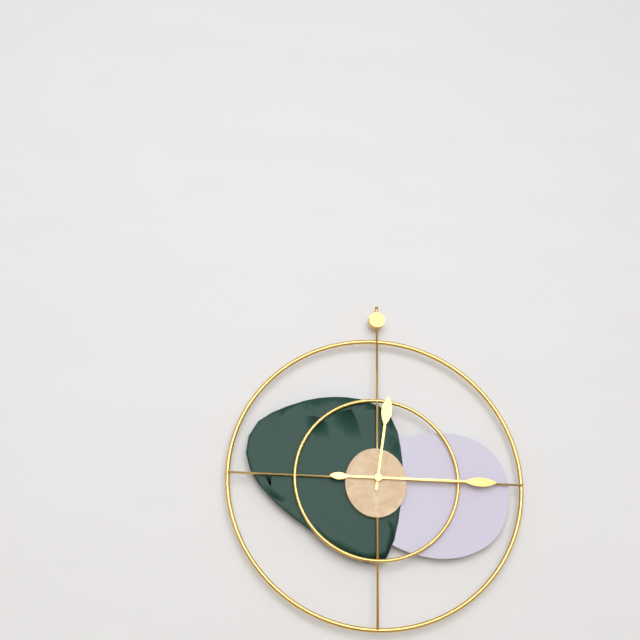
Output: 12.15
